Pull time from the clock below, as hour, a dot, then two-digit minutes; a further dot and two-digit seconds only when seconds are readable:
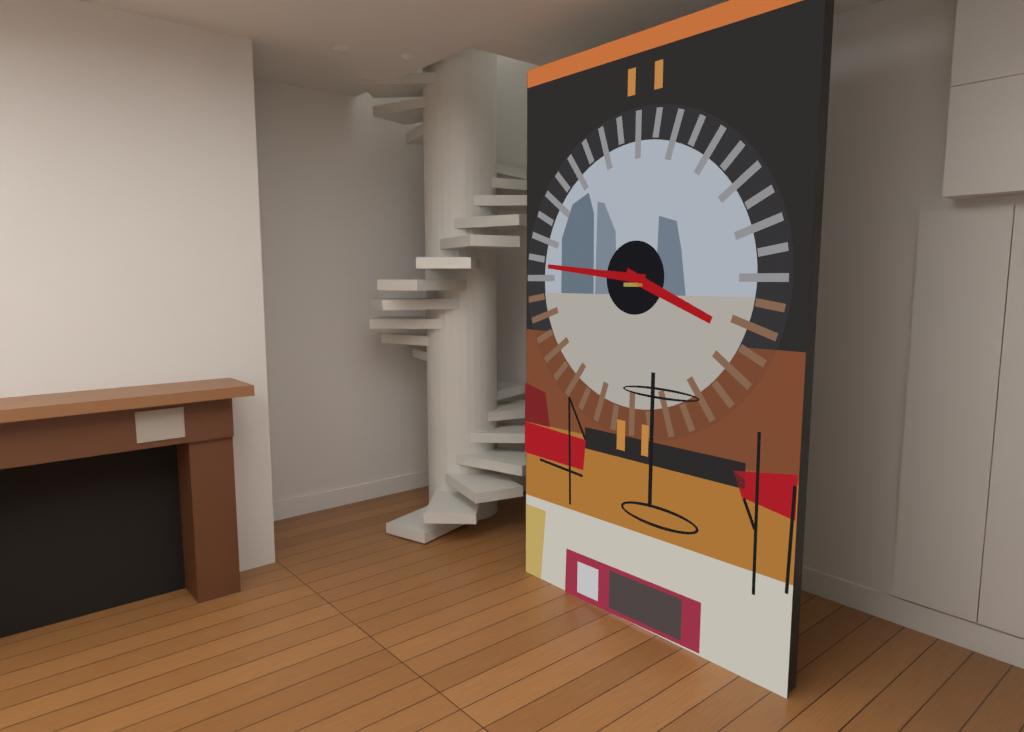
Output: 3.46
